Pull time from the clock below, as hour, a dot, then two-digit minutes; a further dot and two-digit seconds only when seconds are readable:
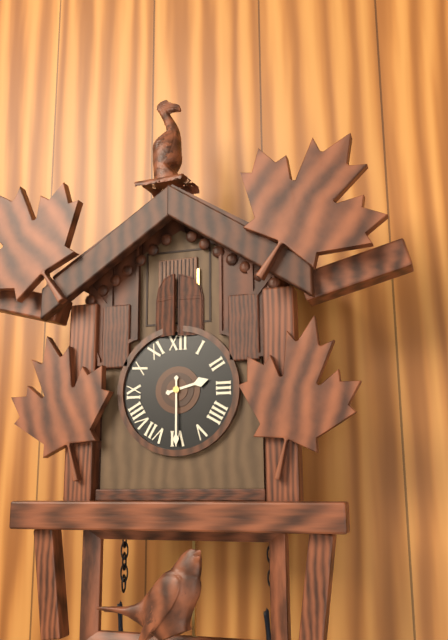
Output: 2.30
